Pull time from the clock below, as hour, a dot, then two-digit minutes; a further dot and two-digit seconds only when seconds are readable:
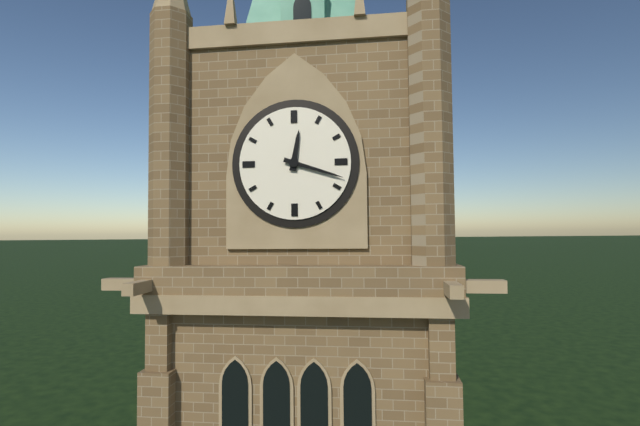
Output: 12.18
